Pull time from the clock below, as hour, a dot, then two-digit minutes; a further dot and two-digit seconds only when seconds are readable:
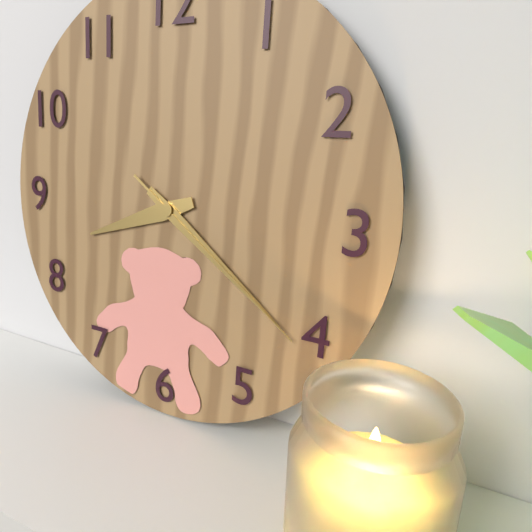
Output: 8.21.21
